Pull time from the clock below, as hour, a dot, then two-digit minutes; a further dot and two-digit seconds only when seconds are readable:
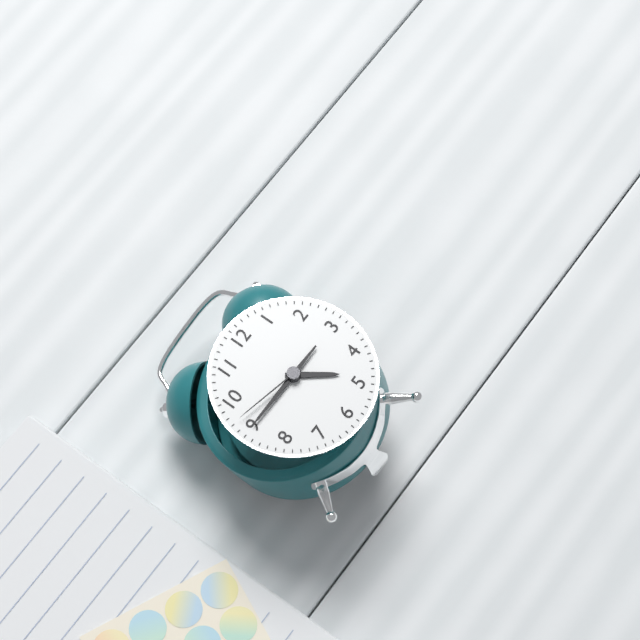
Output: 4.45.47
